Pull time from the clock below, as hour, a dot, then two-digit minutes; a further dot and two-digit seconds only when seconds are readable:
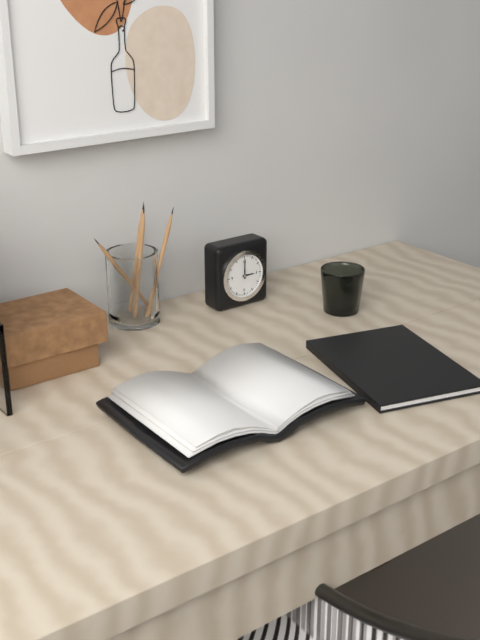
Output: 3.00
